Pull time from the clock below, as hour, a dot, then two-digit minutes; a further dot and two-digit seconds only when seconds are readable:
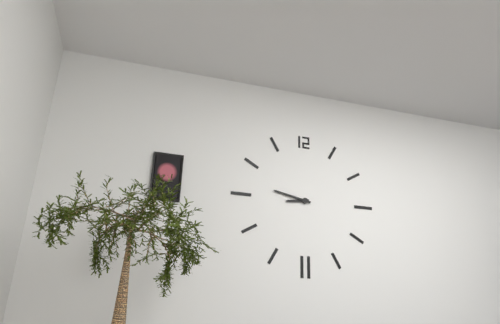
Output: 8.47
